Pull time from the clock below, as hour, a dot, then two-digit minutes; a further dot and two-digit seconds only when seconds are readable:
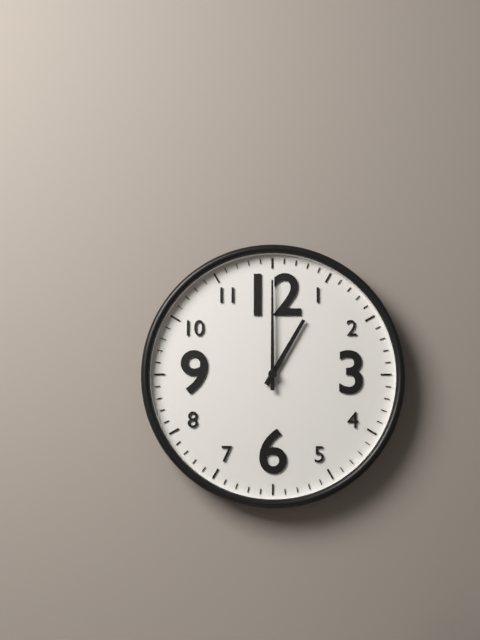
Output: 1.00
